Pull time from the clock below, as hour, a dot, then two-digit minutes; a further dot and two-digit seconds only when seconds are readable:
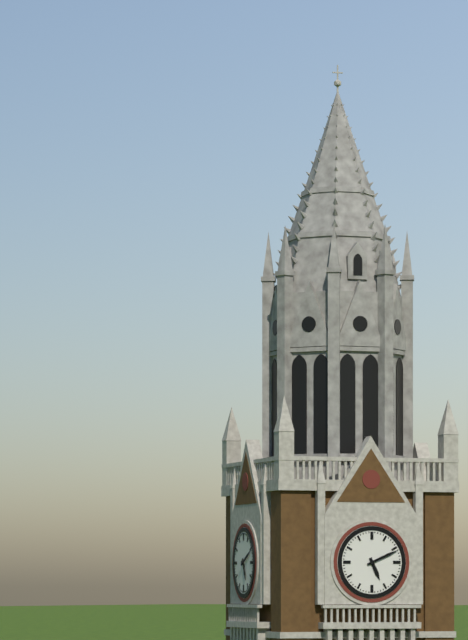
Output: 5.11
